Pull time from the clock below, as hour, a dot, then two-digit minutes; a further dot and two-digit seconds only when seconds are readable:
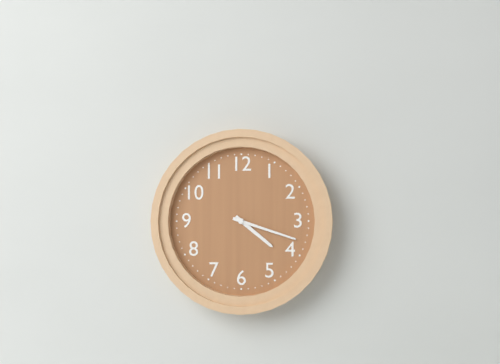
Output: 4.18
